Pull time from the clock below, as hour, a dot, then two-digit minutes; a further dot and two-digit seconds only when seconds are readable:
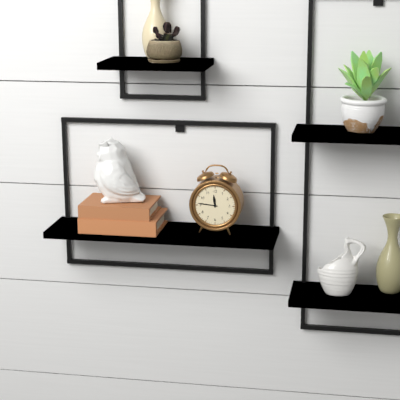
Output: 11.46
